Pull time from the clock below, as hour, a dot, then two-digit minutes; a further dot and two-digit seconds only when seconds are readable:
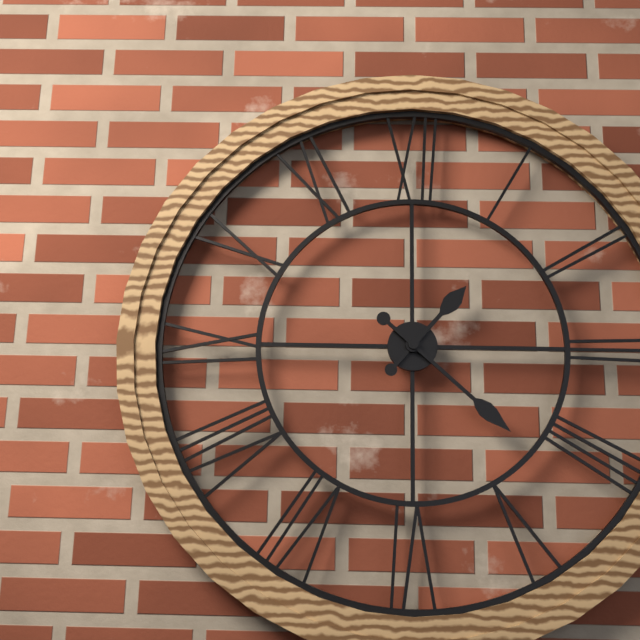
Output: 1.22
